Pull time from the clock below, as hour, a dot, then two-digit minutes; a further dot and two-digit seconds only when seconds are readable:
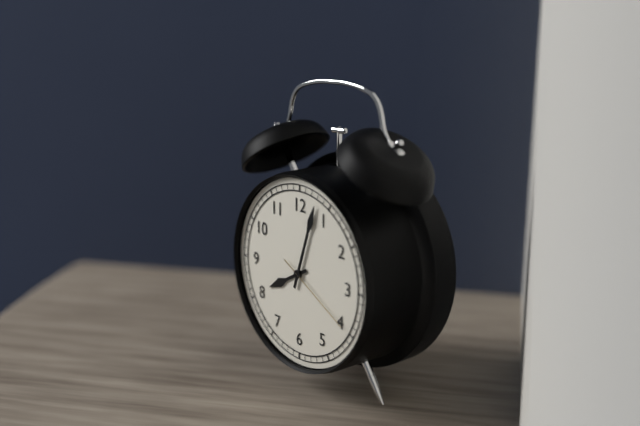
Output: 8.03.20
